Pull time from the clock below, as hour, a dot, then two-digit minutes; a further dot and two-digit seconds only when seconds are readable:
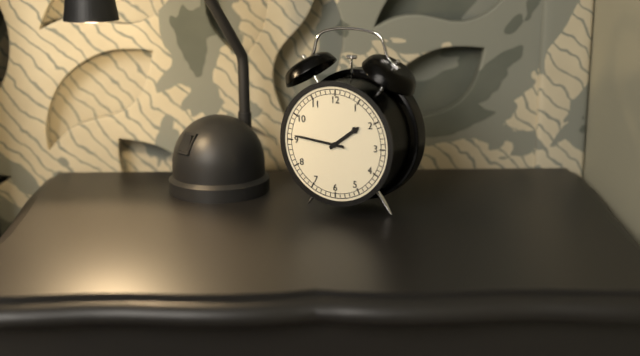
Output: 1.46
